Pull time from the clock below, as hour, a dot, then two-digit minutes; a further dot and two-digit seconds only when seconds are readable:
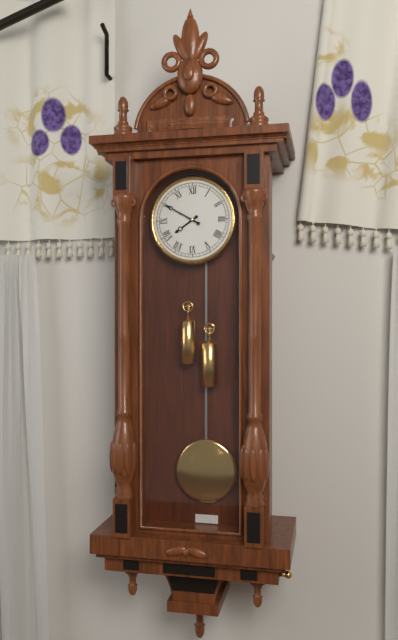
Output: 7.50
